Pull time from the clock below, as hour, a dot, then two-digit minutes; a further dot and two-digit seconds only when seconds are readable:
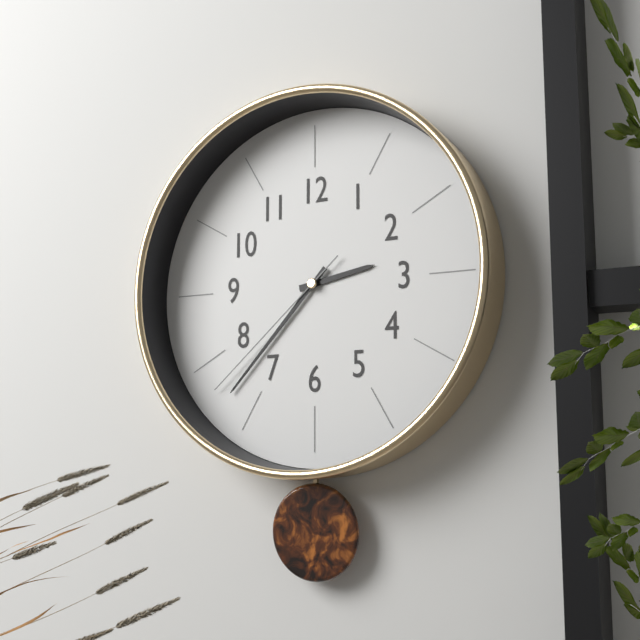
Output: 2.37.38
